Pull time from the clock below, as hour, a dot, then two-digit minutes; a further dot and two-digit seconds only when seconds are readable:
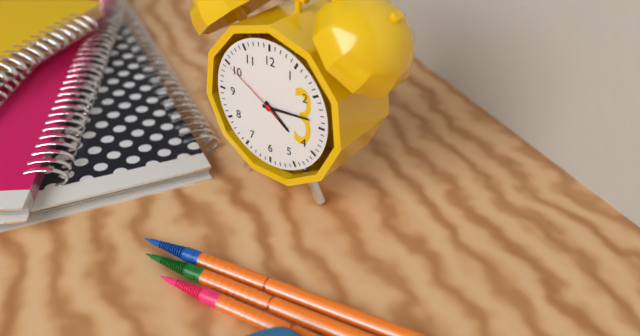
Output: 4.14.50
